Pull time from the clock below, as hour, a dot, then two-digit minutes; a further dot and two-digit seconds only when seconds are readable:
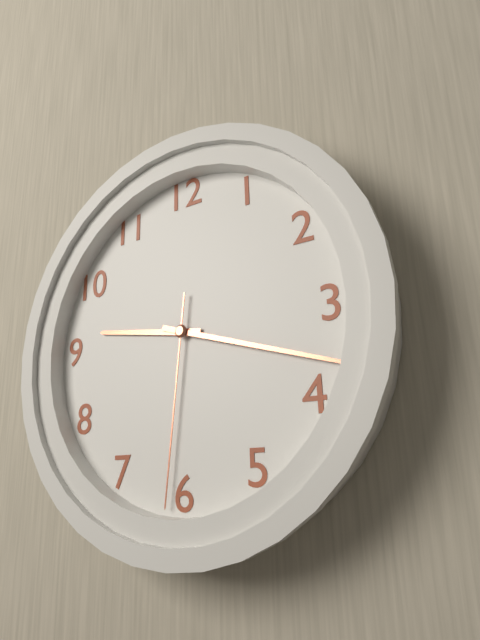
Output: 9.18.31
